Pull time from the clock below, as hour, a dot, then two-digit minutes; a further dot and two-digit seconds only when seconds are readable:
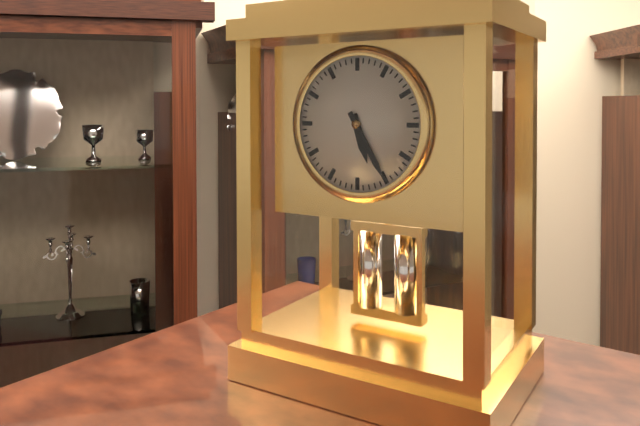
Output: 5.25
